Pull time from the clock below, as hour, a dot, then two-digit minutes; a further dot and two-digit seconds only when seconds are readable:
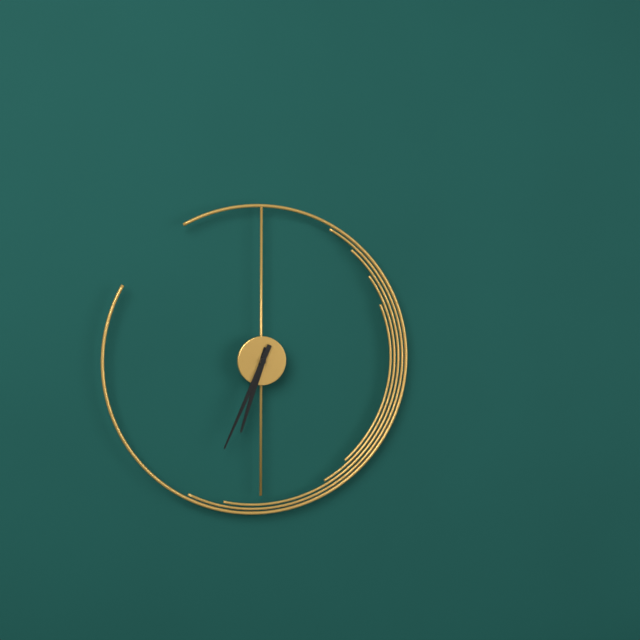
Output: 6.34
